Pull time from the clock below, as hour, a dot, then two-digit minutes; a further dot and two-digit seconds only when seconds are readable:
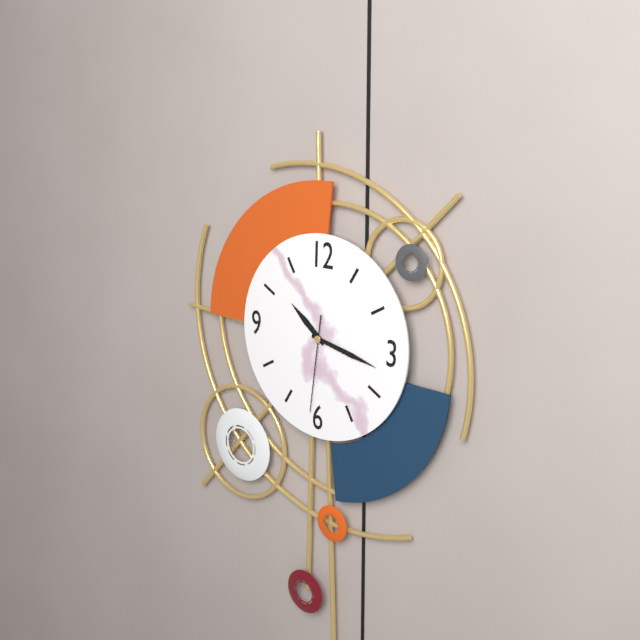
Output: 10.17.31
